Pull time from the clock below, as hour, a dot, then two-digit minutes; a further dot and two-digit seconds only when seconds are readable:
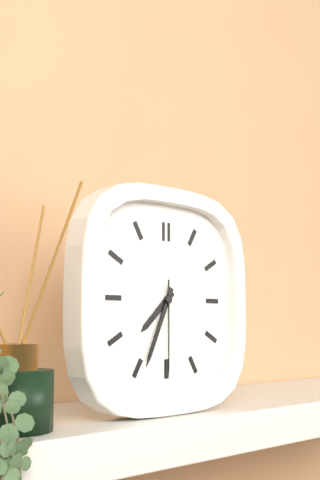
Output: 7.34.30
